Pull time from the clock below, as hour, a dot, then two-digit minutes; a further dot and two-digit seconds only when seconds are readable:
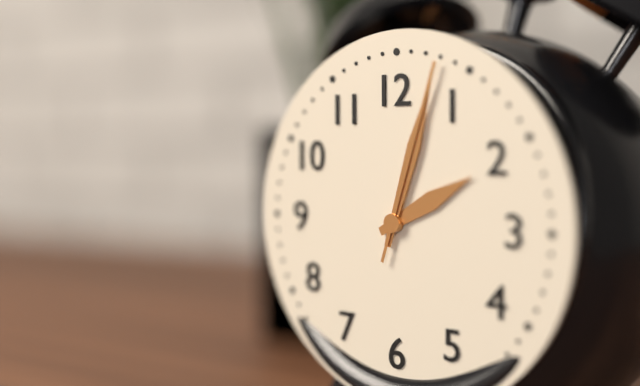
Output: 2.03.03
